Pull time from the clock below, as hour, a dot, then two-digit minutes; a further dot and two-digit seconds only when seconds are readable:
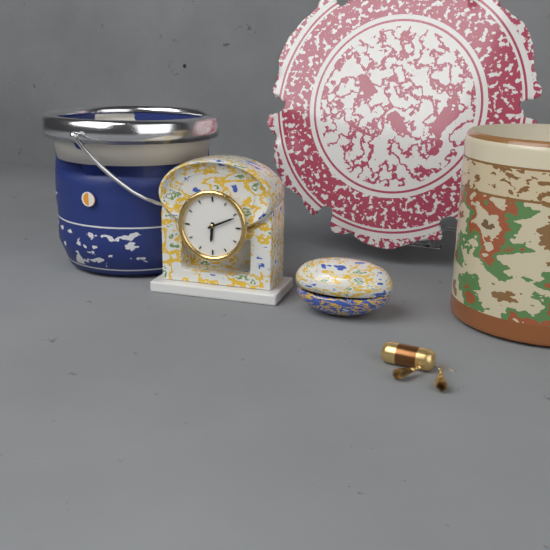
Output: 6.11
